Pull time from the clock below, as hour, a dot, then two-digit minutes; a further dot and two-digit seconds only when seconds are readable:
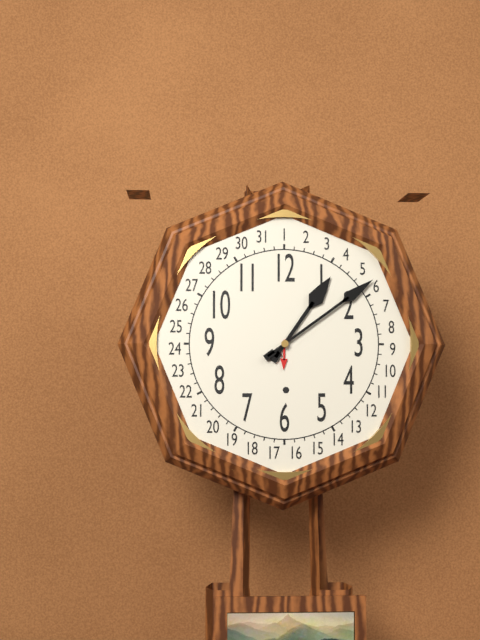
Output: 1.09
